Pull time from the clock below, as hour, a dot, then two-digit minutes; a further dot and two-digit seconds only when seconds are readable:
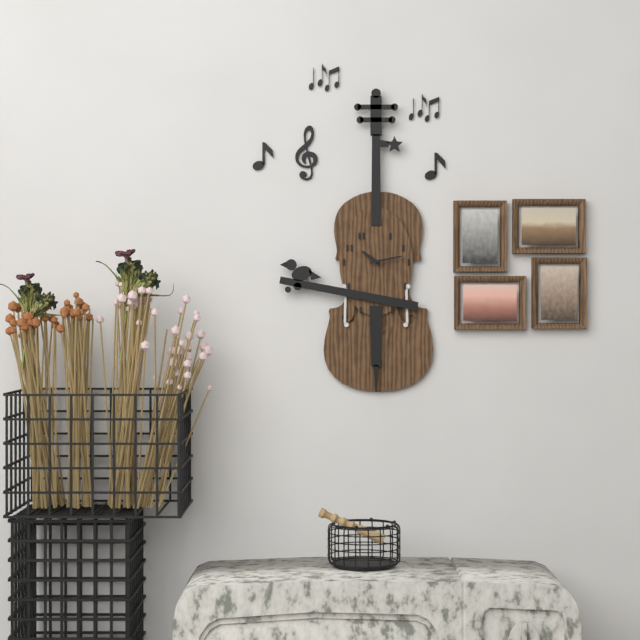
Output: 10.13
